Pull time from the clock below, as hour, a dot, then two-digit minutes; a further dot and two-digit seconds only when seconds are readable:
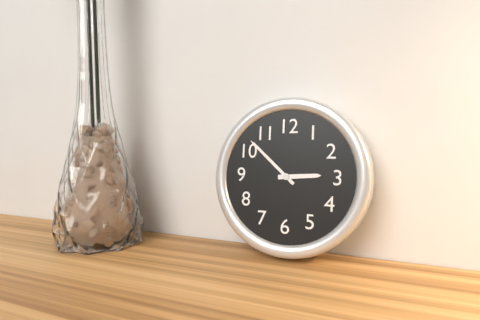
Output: 2.52
